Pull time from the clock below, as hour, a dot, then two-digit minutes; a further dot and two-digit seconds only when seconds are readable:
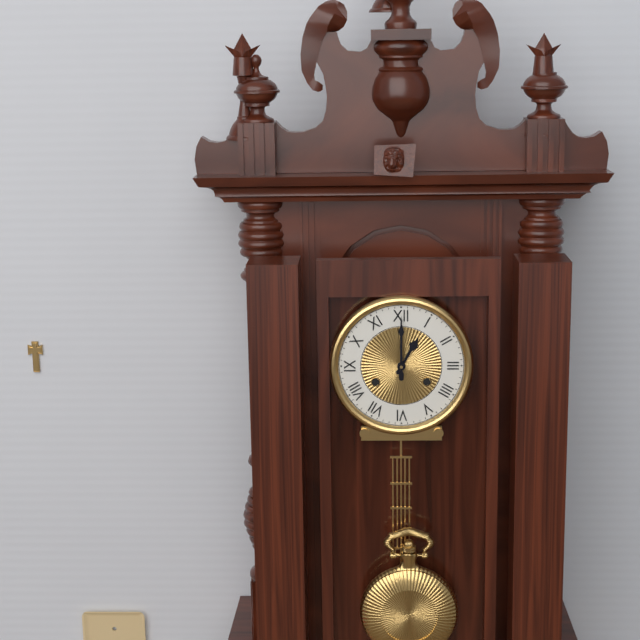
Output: 1.00
